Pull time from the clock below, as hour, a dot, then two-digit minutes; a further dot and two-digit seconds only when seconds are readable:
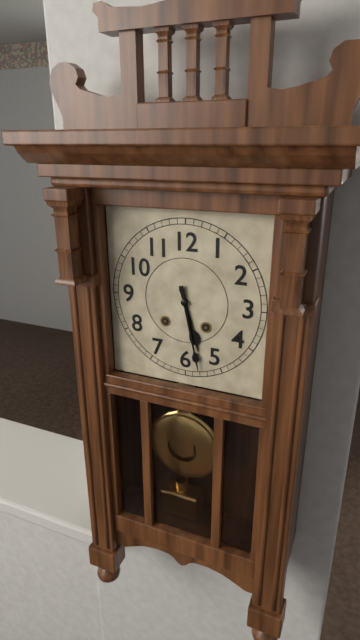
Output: 5.28
